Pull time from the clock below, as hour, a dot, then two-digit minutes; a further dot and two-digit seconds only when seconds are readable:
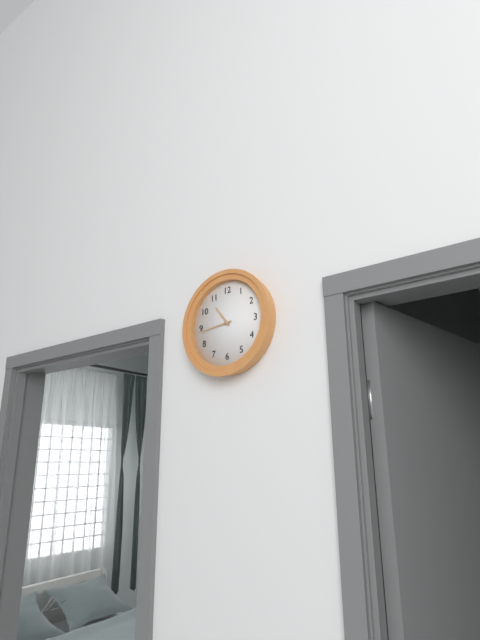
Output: 10.44
